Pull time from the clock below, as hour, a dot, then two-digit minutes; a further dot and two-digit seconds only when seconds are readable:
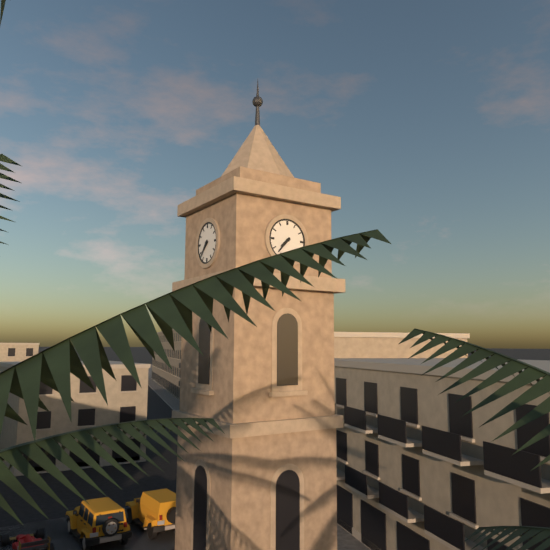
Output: 7.37
